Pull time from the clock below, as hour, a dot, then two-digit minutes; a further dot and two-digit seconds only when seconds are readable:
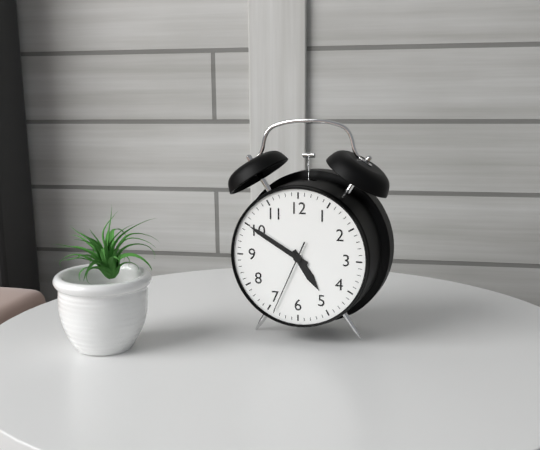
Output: 4.50.34
